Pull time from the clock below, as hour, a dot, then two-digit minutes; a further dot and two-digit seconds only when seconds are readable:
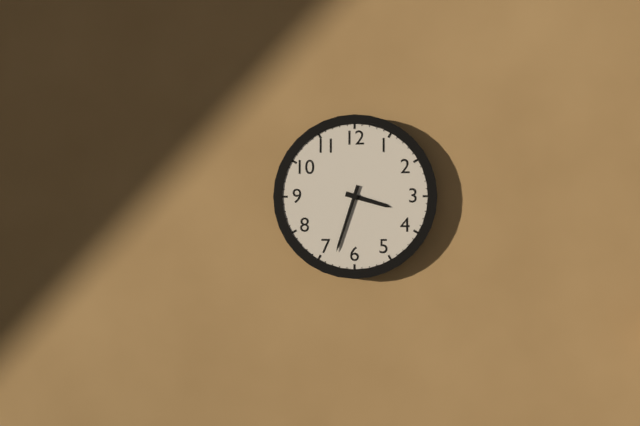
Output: 3.33
